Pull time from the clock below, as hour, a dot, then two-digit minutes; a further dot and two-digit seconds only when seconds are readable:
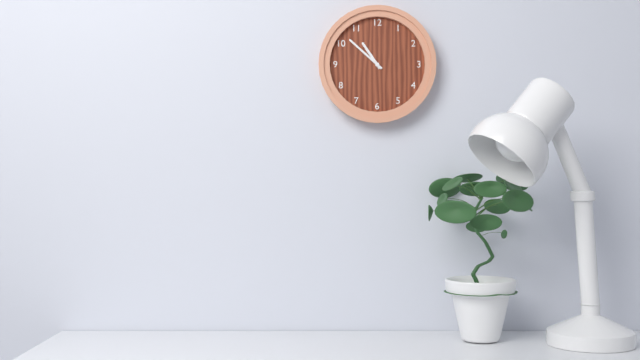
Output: 10.52
